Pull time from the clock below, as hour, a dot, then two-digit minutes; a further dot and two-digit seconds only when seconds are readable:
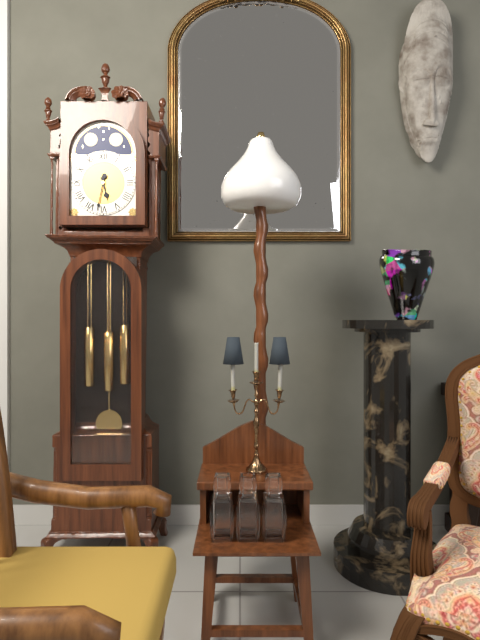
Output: 5.32
